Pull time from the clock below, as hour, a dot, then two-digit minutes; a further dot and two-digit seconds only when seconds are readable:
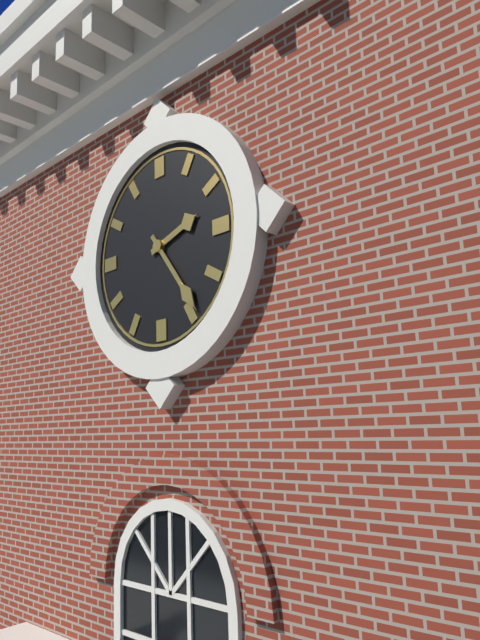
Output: 2.24
